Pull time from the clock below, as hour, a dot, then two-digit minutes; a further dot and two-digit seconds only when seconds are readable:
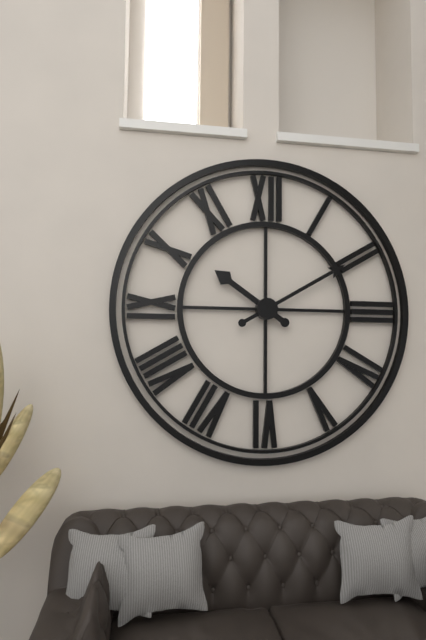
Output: 10.10
